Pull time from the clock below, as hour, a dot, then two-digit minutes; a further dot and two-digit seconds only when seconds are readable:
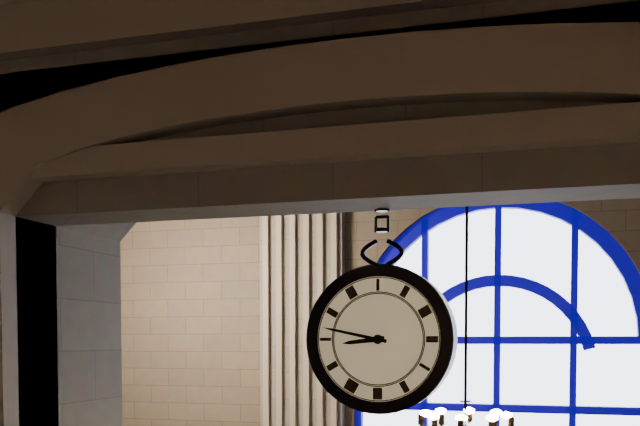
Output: 8.47
